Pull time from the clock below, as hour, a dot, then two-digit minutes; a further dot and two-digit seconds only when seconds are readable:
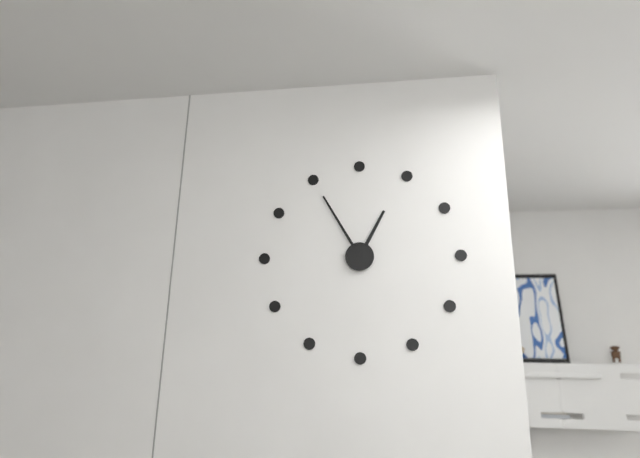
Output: 12.55
